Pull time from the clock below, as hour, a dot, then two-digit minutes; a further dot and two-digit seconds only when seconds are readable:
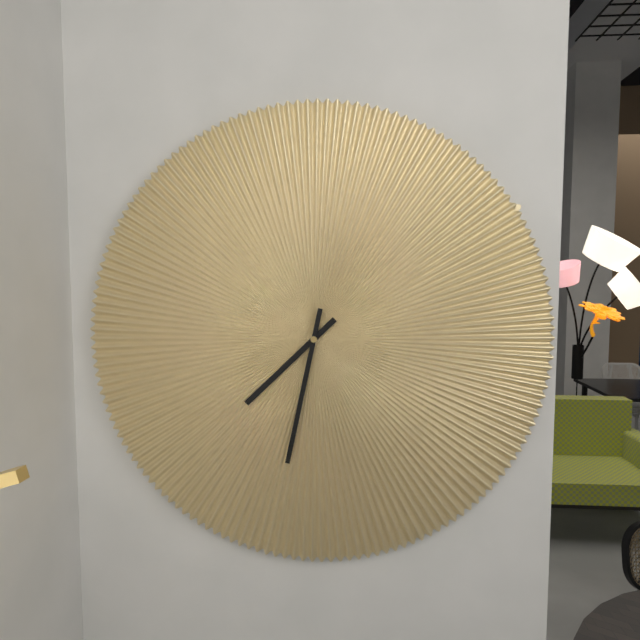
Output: 7.32
